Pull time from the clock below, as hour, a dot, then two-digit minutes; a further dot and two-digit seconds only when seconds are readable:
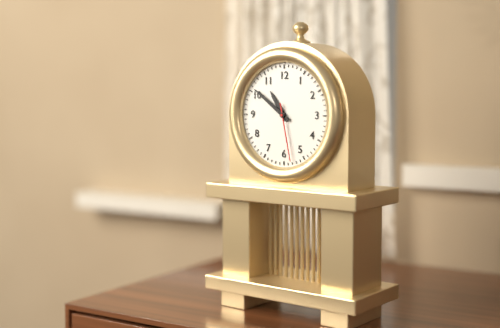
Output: 10.51.28
